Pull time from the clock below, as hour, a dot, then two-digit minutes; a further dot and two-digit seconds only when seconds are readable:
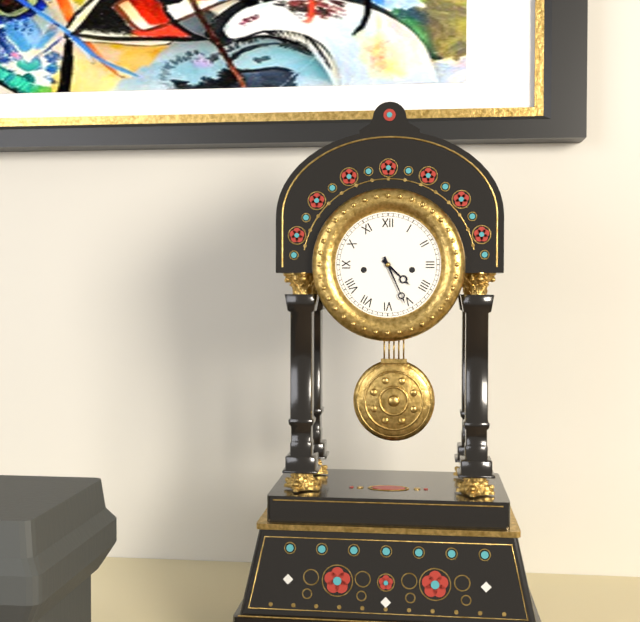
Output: 4.26
